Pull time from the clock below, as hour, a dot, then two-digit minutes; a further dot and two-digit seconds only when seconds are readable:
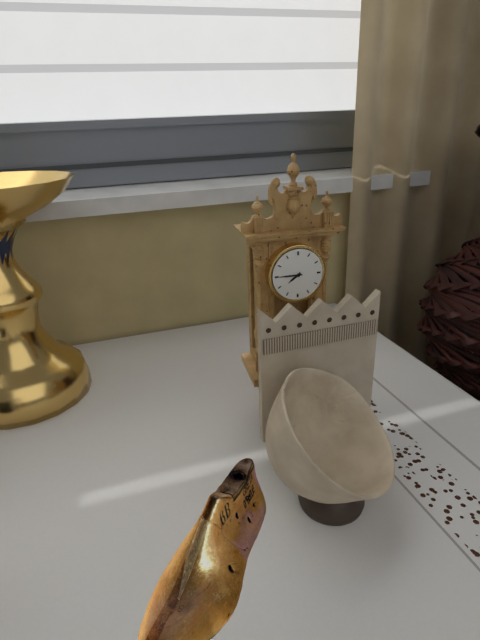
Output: 7.45
